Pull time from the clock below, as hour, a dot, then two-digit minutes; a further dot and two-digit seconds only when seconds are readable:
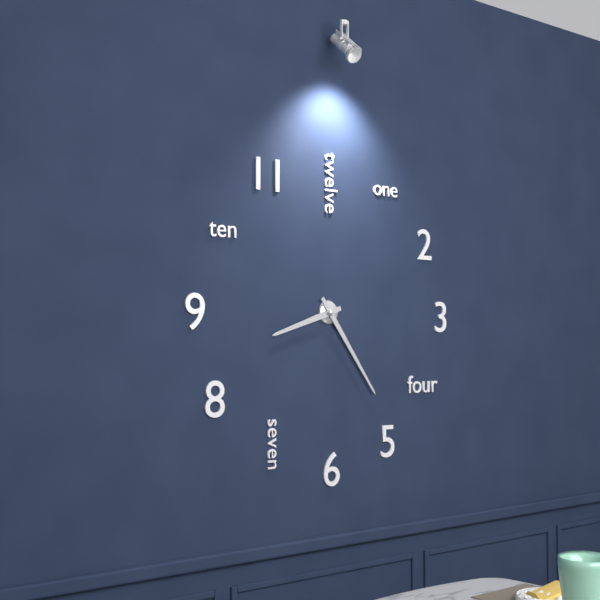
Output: 8.24
